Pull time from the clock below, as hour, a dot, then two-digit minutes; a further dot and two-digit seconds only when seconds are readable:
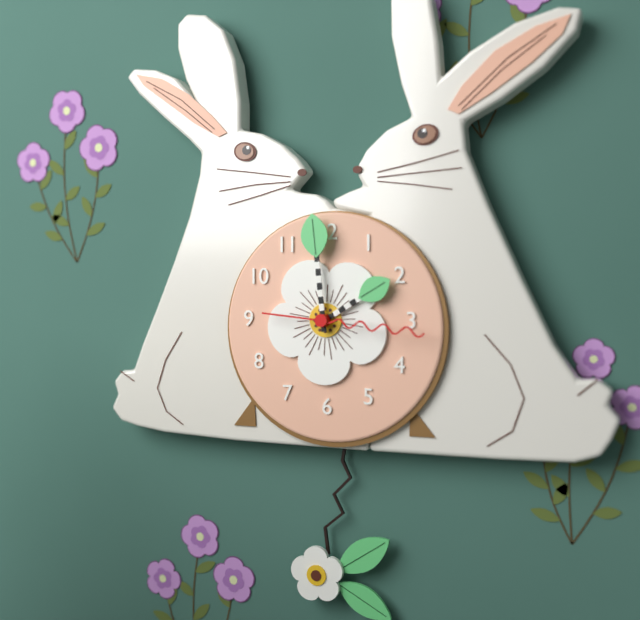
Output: 1.59.16
